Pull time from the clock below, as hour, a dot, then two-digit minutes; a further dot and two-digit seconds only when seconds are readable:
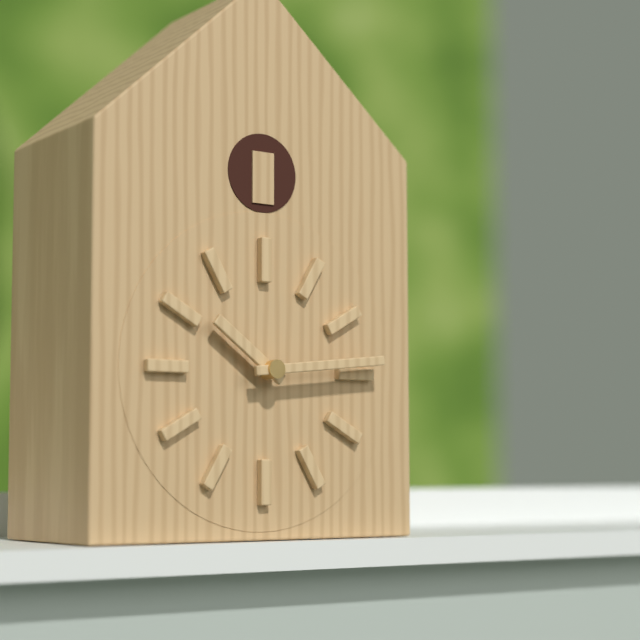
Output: 10.14
